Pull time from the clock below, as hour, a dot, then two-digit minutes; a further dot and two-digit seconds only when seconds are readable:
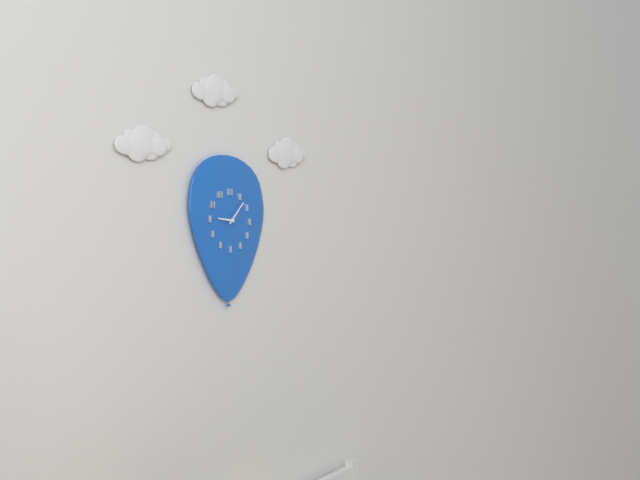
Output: 9.07
